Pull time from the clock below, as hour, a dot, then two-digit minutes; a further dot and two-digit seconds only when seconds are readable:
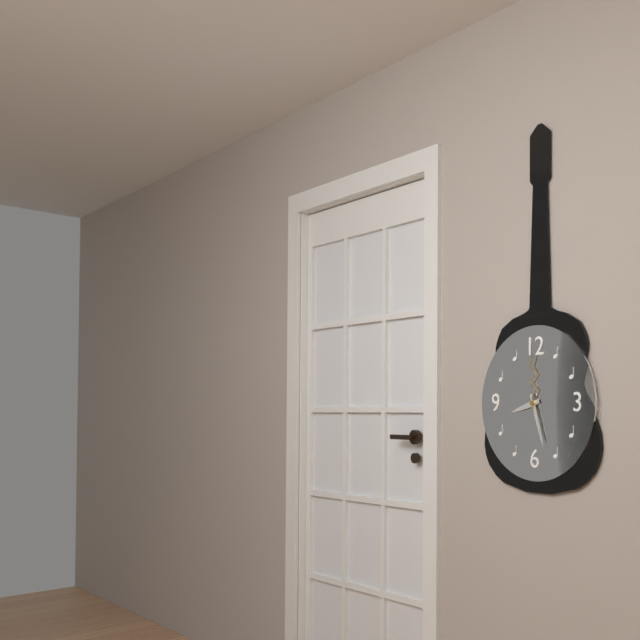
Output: 8.27.00
